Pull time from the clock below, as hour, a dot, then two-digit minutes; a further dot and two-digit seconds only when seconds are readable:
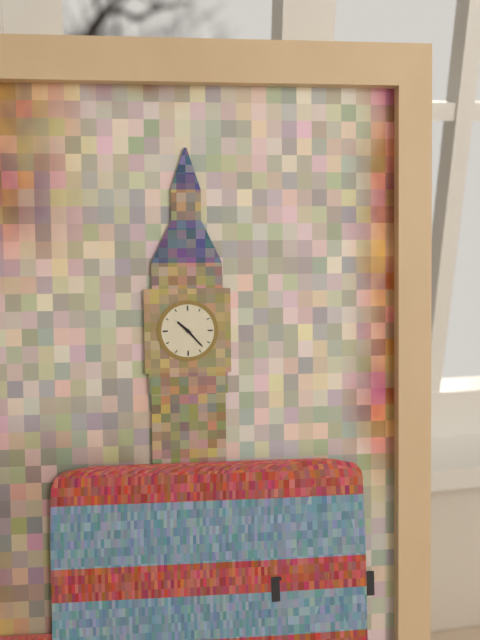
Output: 10.23
